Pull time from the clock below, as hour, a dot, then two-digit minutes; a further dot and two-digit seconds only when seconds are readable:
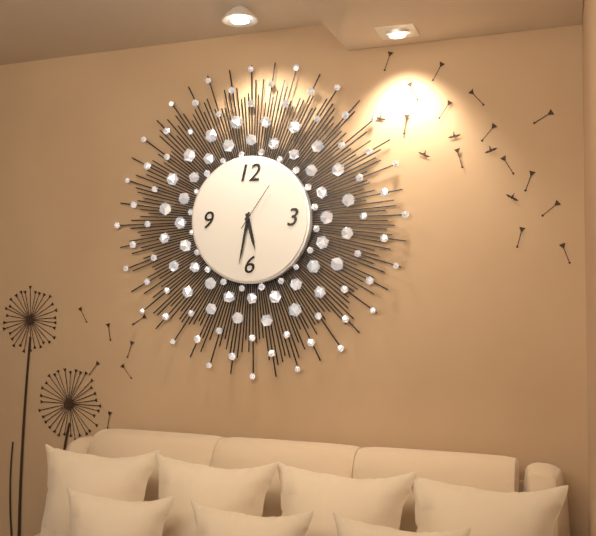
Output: 5.32.06
